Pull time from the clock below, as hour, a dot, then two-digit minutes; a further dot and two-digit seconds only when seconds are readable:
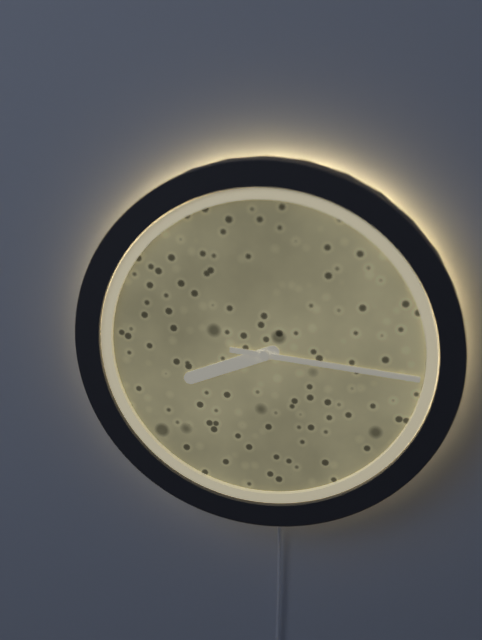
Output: 8.16
